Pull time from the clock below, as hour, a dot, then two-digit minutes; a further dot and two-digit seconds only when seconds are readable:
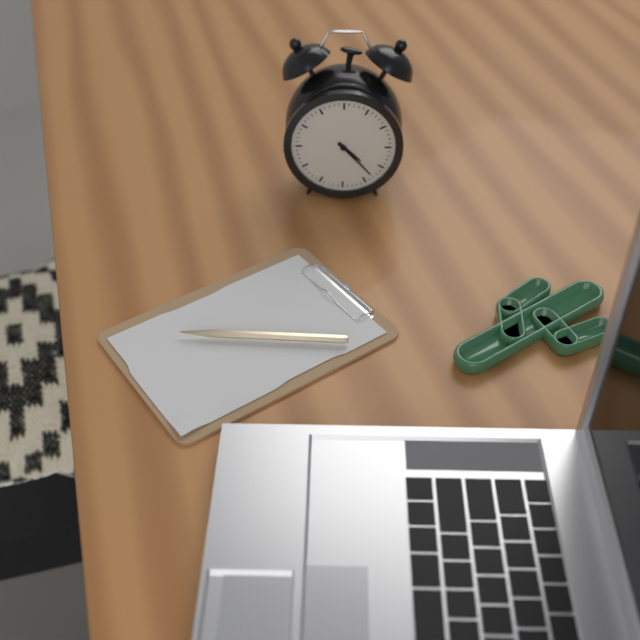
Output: 4.23
